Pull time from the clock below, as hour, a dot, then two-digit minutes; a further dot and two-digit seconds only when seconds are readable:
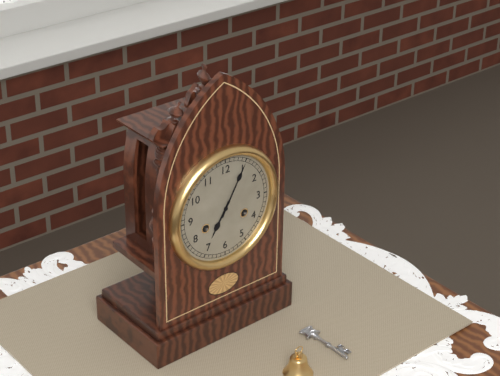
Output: 7.05
